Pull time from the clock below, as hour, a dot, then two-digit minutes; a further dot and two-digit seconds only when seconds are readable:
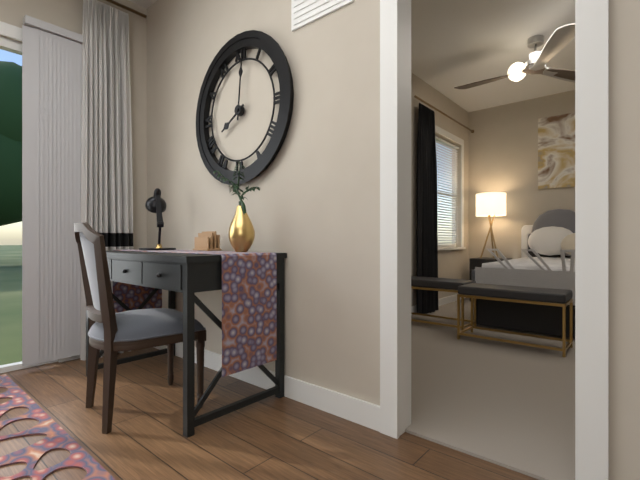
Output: 8.01
